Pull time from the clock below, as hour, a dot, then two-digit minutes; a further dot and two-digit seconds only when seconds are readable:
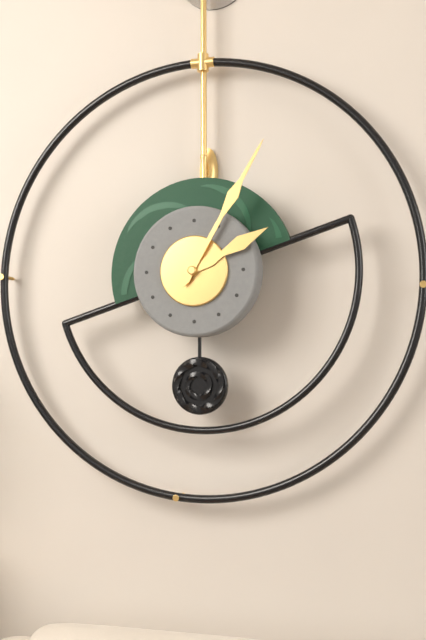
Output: 2.05
